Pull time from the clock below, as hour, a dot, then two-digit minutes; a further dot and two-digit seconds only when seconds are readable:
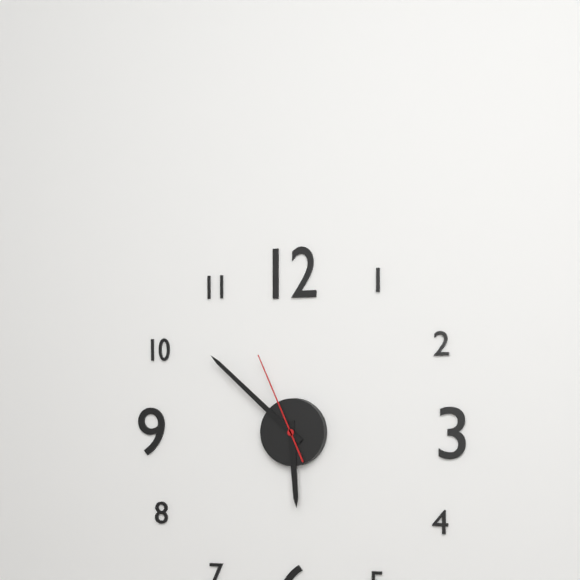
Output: 5.52.56
